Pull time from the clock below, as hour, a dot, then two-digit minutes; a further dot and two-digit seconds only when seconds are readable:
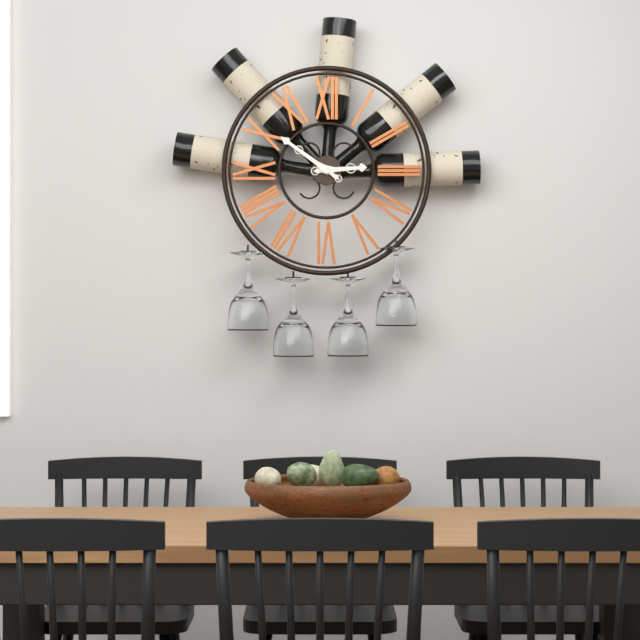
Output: 2.51
